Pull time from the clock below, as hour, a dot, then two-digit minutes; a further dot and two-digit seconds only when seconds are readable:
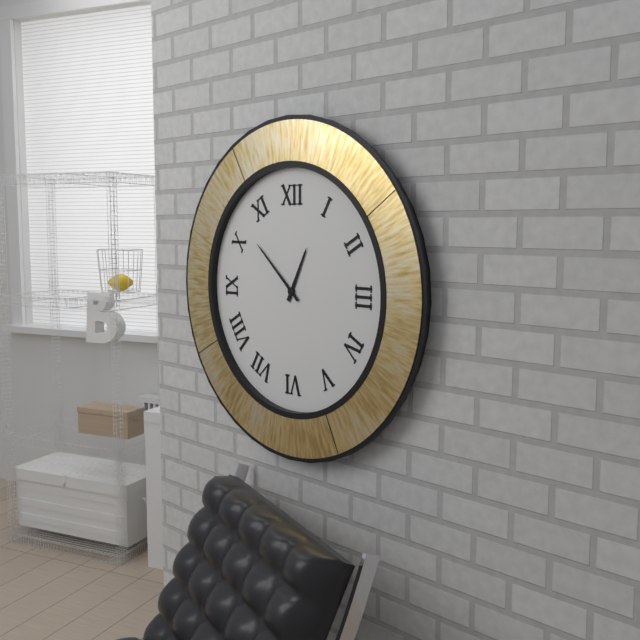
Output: 12.52
